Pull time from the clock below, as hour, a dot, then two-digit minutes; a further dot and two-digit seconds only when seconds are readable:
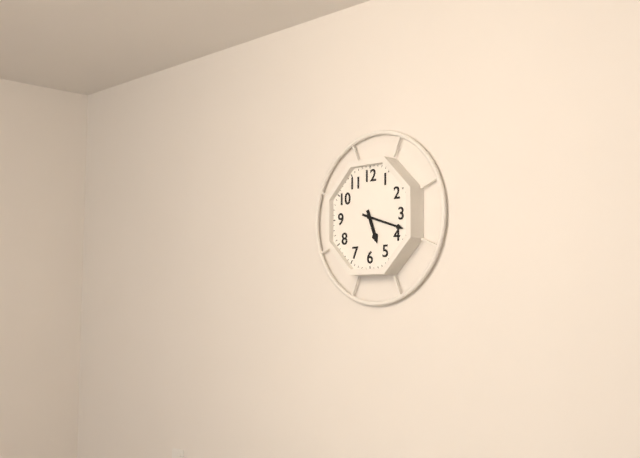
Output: 5.18
